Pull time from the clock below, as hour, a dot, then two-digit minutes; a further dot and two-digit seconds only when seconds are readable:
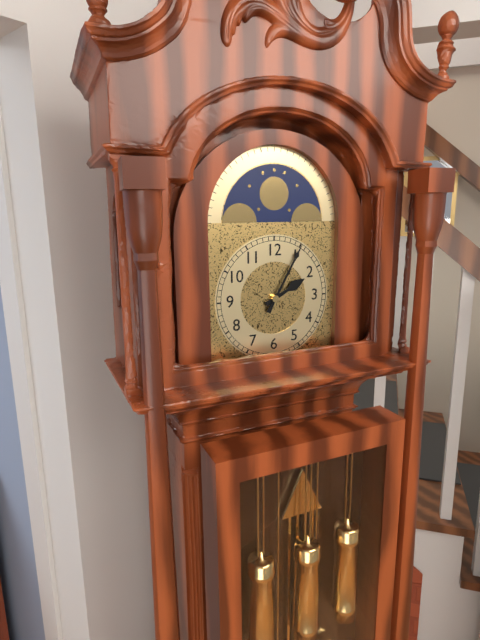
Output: 2.05
